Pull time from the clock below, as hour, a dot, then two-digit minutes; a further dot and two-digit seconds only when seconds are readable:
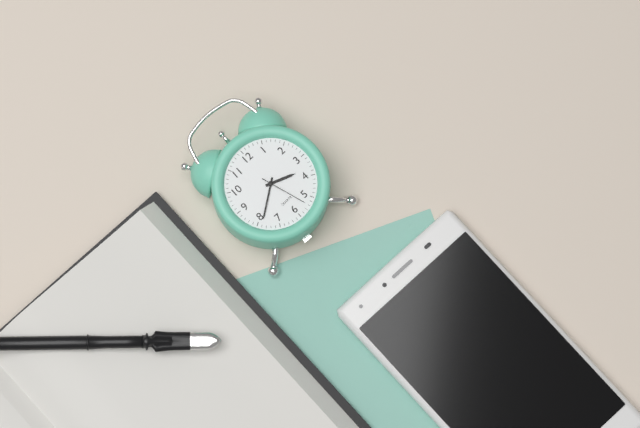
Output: 3.39
